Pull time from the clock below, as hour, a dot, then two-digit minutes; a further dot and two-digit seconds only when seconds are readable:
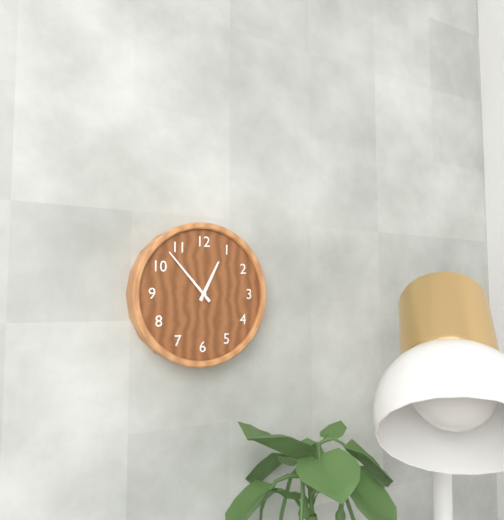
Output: 12.53
